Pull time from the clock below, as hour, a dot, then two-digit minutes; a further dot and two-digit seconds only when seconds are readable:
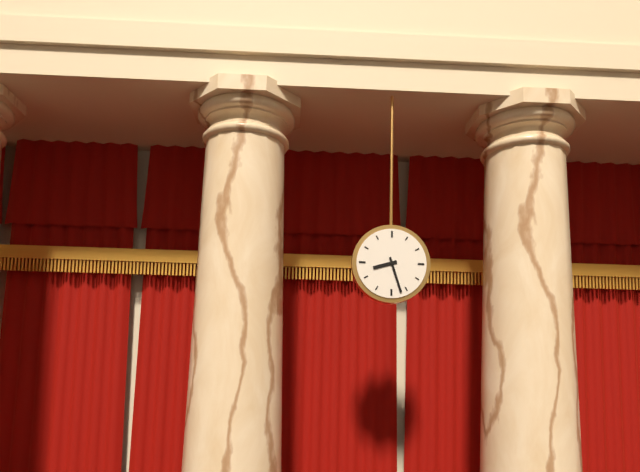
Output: 8.27
